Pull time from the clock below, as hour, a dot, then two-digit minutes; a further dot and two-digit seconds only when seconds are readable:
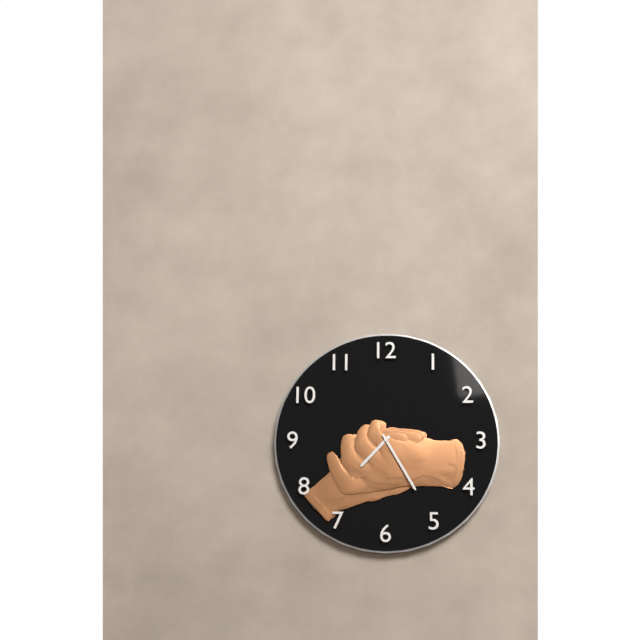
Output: 7.25
